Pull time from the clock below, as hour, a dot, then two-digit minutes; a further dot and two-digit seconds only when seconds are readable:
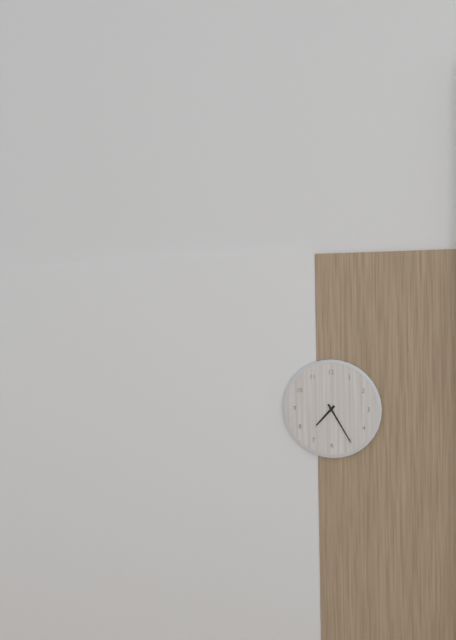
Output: 7.25
